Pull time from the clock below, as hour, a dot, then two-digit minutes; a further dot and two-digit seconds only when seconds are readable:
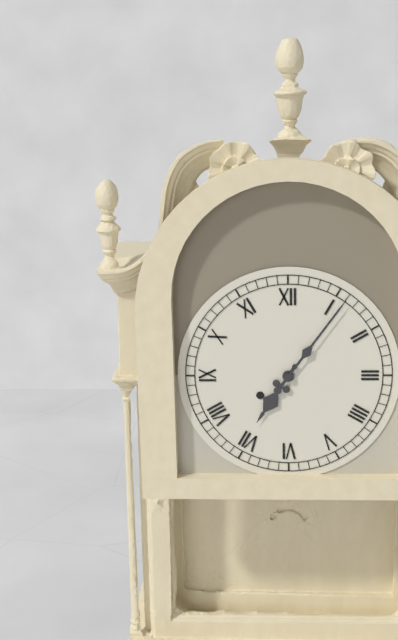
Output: 7.06
